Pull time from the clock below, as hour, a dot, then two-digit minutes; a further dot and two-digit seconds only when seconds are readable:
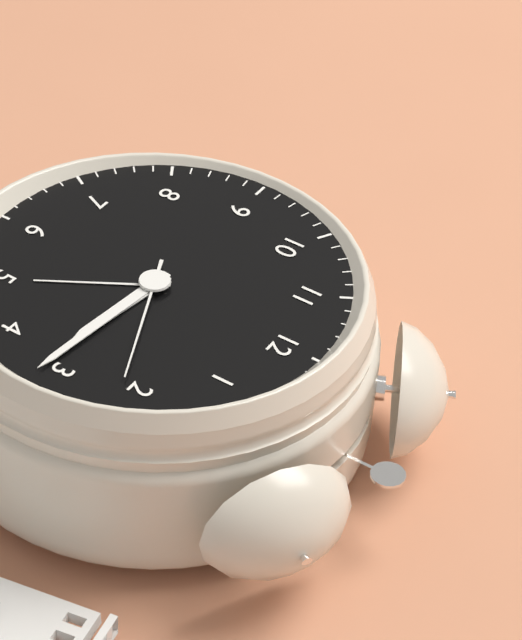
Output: 3.16.11
